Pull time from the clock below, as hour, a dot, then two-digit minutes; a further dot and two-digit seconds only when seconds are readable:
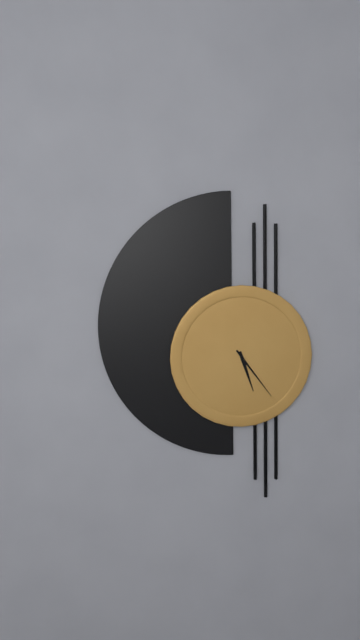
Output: 5.24
